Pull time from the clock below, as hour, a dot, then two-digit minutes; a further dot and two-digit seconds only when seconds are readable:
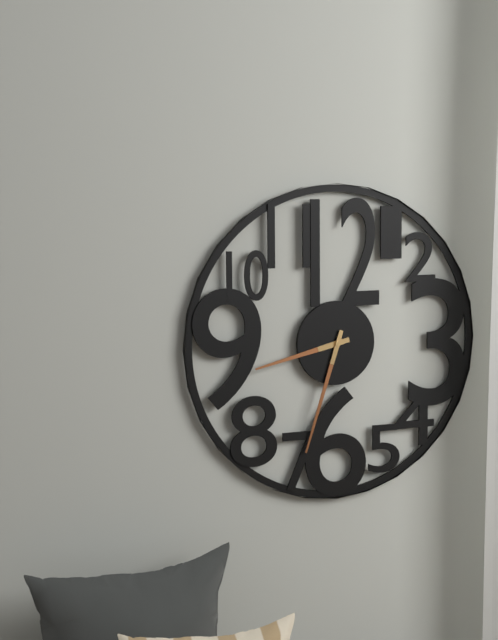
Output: 8.33
